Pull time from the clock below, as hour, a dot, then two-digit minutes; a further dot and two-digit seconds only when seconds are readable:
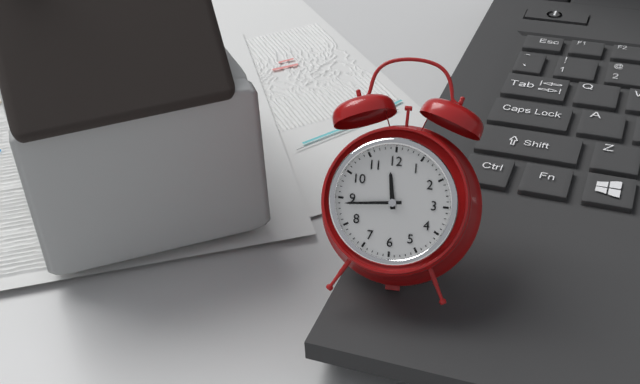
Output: 11.44
